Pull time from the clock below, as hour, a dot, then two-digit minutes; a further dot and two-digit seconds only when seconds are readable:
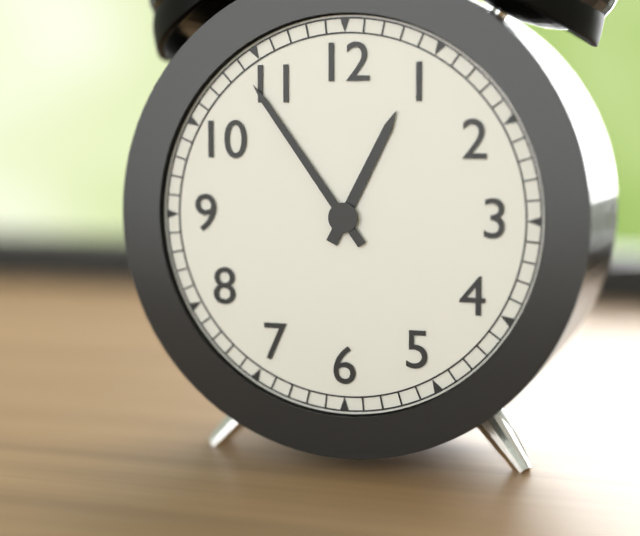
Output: 12.54
